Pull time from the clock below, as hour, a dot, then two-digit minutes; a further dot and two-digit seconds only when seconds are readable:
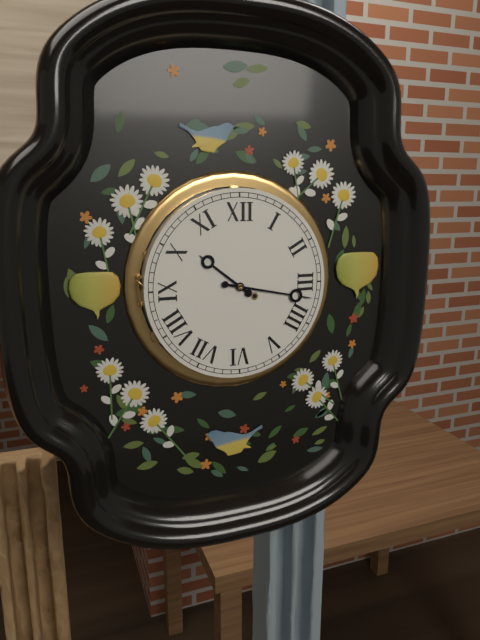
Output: 10.17
